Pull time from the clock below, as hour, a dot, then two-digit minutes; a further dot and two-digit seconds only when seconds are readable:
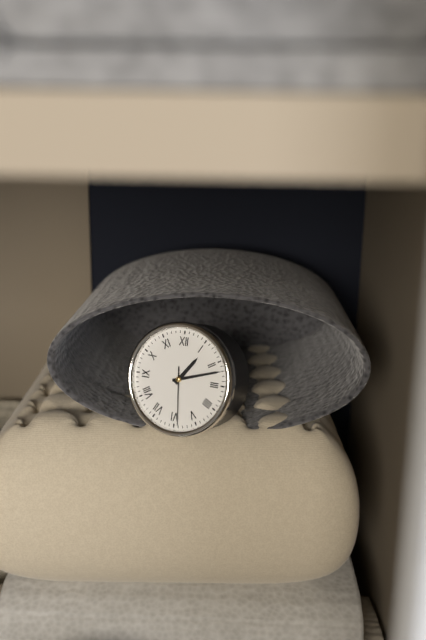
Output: 1.12.29
